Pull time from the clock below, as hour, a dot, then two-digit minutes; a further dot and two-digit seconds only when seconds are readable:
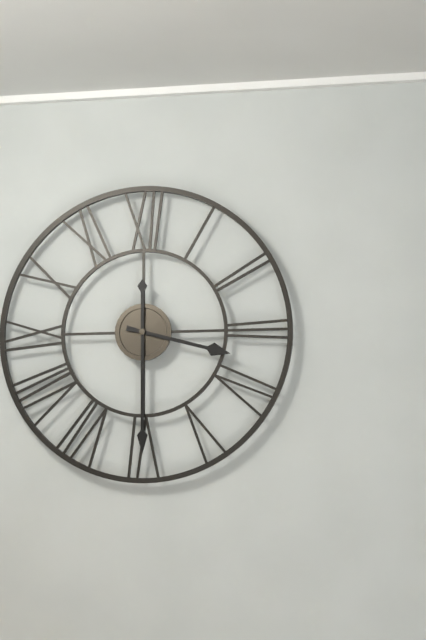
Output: 3.30
